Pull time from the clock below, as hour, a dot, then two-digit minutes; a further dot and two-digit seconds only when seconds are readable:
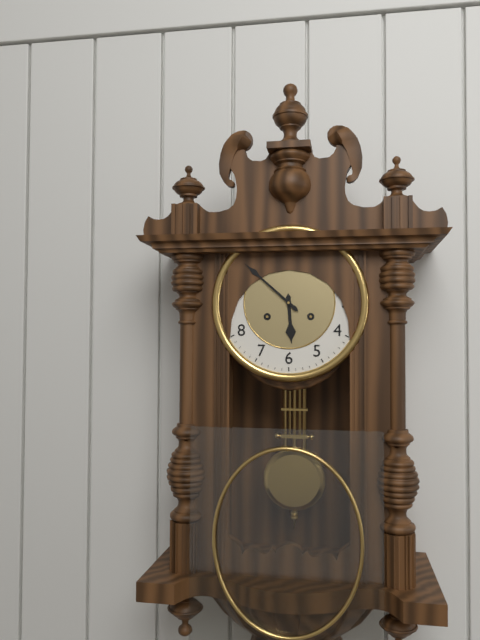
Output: 5.52
